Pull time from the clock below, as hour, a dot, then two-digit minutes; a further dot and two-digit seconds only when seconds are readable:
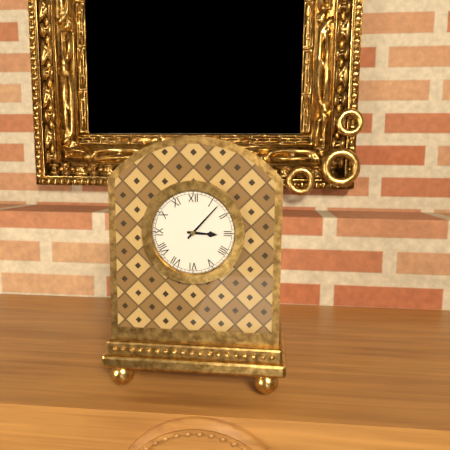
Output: 3.07
